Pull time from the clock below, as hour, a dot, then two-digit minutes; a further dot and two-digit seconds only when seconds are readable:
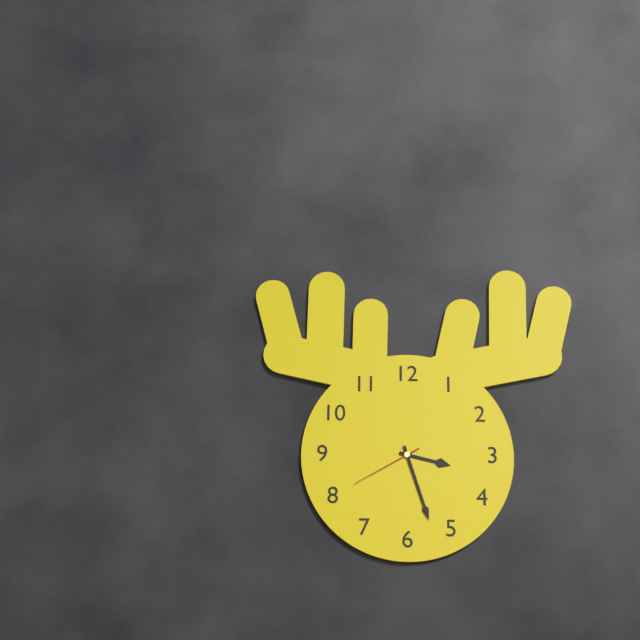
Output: 3.27.40
